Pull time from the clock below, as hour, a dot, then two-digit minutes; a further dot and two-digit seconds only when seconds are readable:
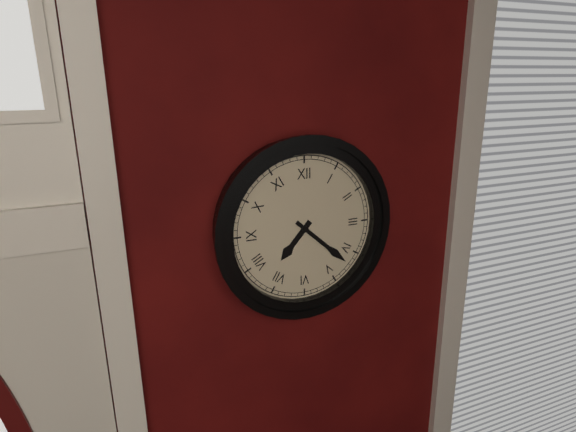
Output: 7.22
